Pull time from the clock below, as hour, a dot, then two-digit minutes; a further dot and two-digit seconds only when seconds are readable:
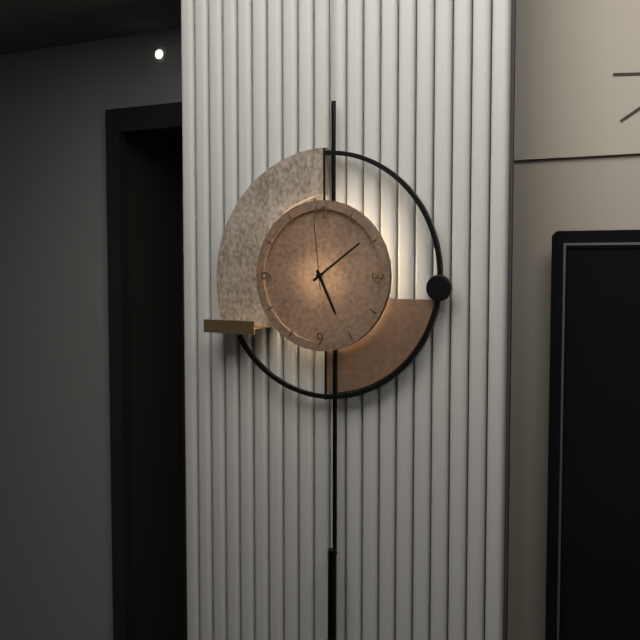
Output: 5.09.59
